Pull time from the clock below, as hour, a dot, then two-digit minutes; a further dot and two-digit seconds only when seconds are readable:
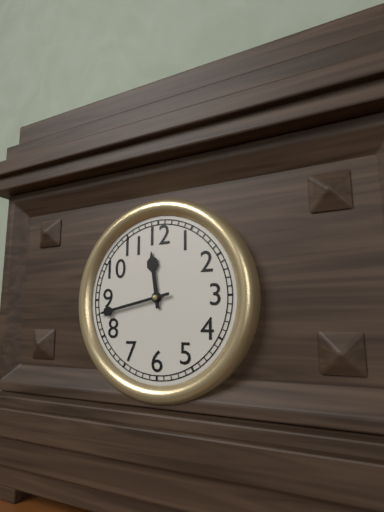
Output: 11.43
